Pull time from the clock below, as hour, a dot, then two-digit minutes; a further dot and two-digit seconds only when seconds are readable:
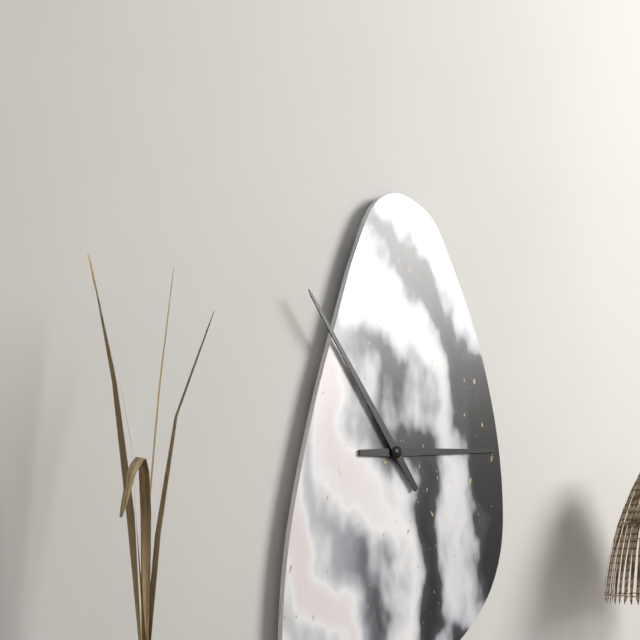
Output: 2.54
